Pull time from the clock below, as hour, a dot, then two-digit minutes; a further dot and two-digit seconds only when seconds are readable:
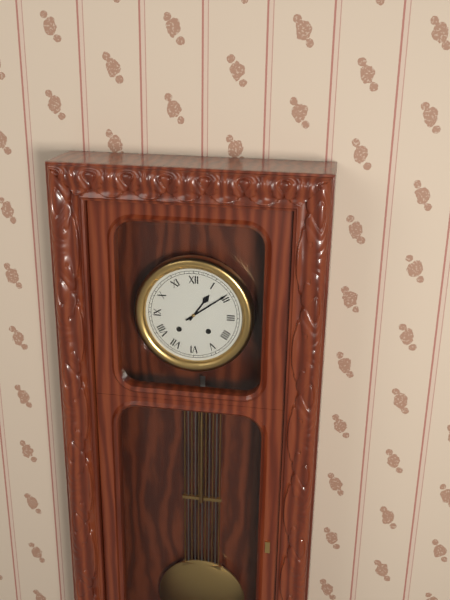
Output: 1.09
